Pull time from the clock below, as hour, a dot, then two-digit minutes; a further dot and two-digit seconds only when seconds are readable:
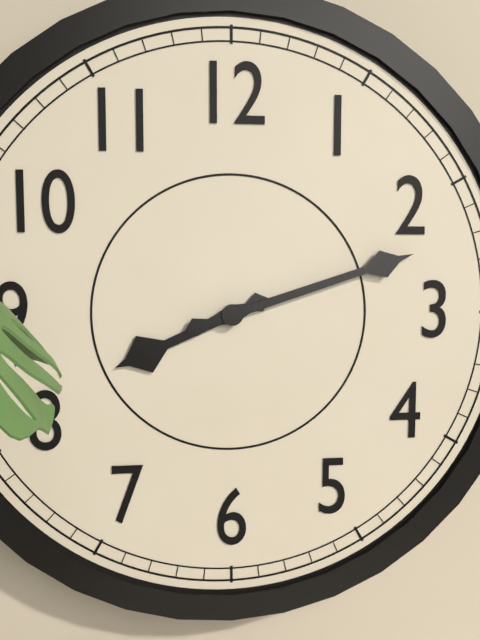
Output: 8.12
